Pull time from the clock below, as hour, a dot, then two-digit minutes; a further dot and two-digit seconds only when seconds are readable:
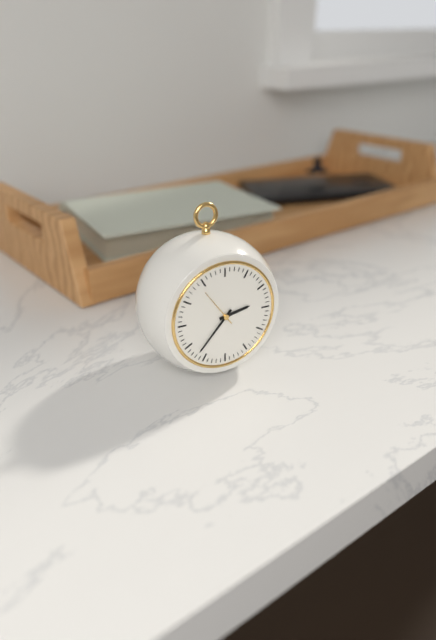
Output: 2.37
